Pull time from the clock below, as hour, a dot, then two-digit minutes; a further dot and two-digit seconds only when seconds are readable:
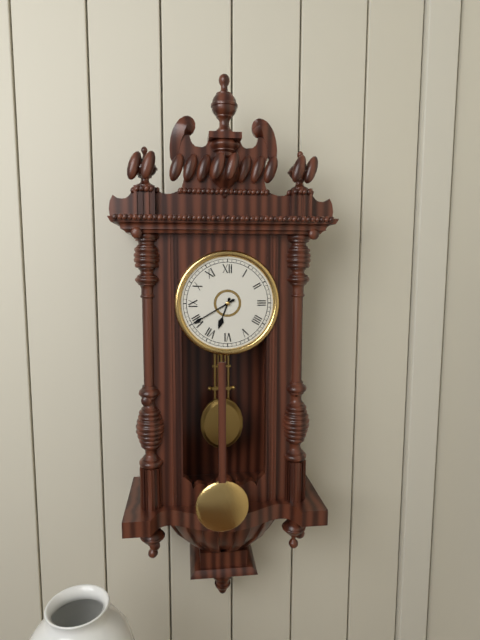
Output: 6.40
